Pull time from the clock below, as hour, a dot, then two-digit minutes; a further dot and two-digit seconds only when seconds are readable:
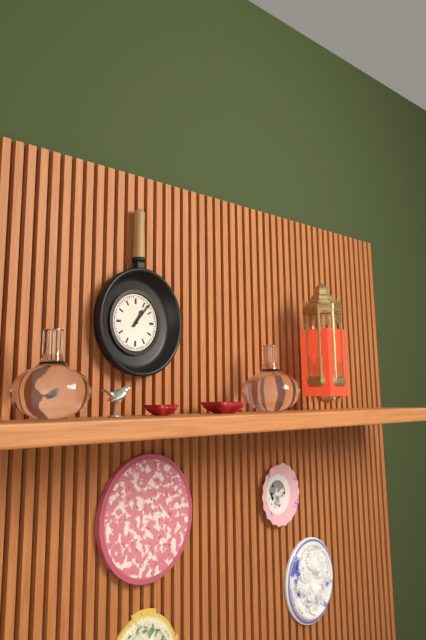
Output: 1.07
